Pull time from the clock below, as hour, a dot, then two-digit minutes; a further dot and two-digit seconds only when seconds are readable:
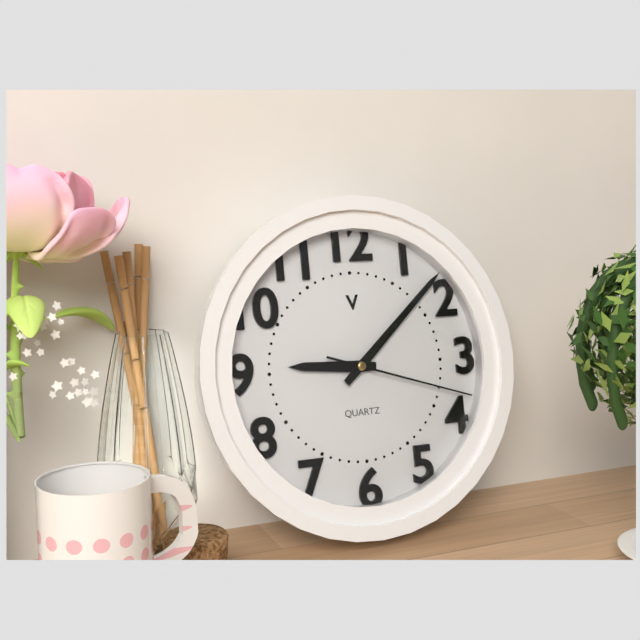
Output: 9.08.18
